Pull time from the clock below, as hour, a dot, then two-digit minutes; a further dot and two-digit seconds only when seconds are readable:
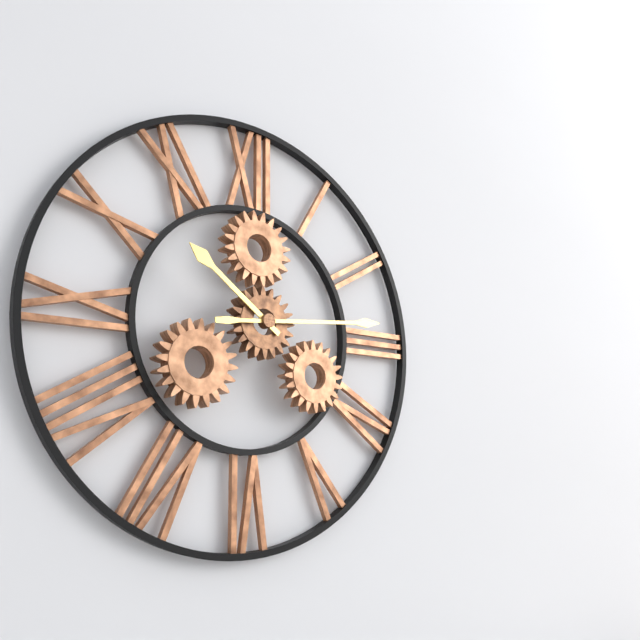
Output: 10.14
